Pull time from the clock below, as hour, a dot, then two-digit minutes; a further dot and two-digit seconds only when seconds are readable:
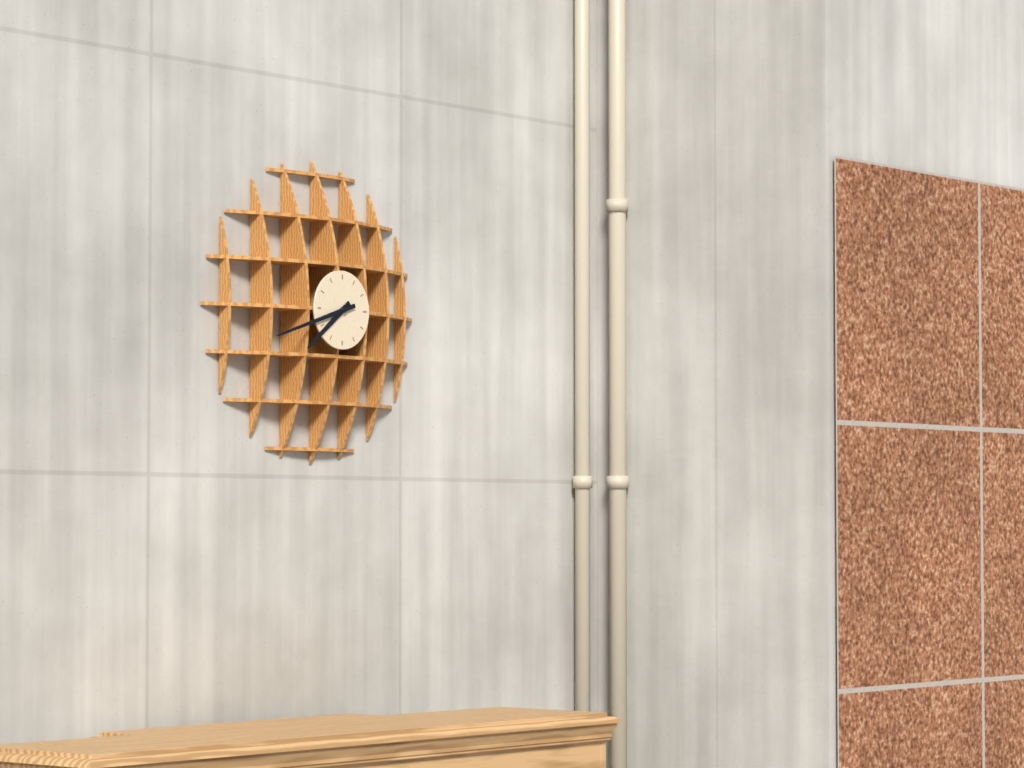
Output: 7.42
